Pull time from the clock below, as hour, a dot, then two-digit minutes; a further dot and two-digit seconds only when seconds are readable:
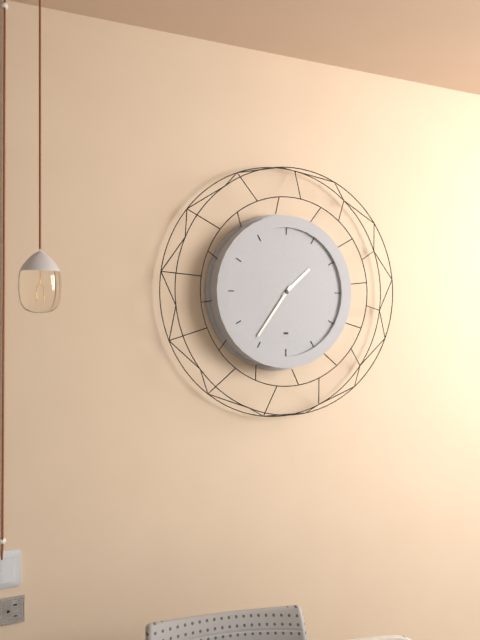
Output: 1.36
